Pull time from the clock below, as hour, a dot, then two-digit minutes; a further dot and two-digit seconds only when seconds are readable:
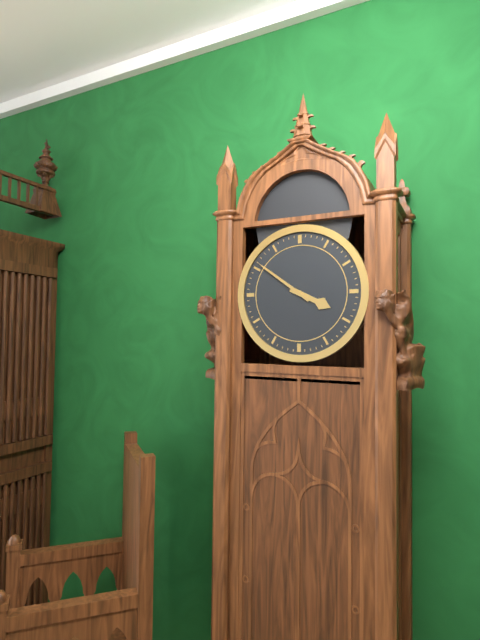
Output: 3.51
